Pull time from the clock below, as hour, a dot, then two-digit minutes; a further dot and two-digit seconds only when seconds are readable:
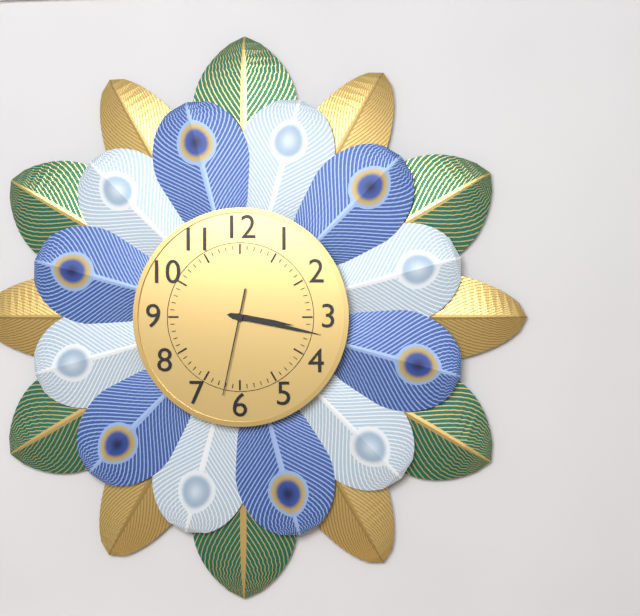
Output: 3.17.32
